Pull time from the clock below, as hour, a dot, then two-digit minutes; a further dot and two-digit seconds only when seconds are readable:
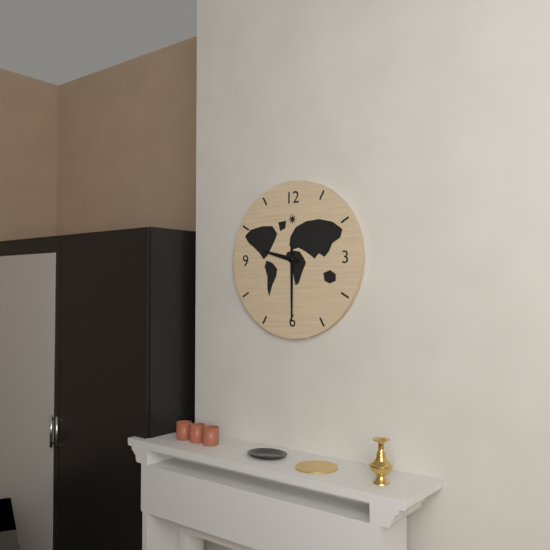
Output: 9.30
